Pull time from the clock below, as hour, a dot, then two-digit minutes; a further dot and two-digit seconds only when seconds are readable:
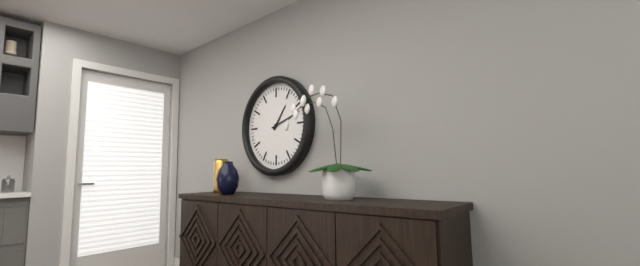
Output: 1.12
